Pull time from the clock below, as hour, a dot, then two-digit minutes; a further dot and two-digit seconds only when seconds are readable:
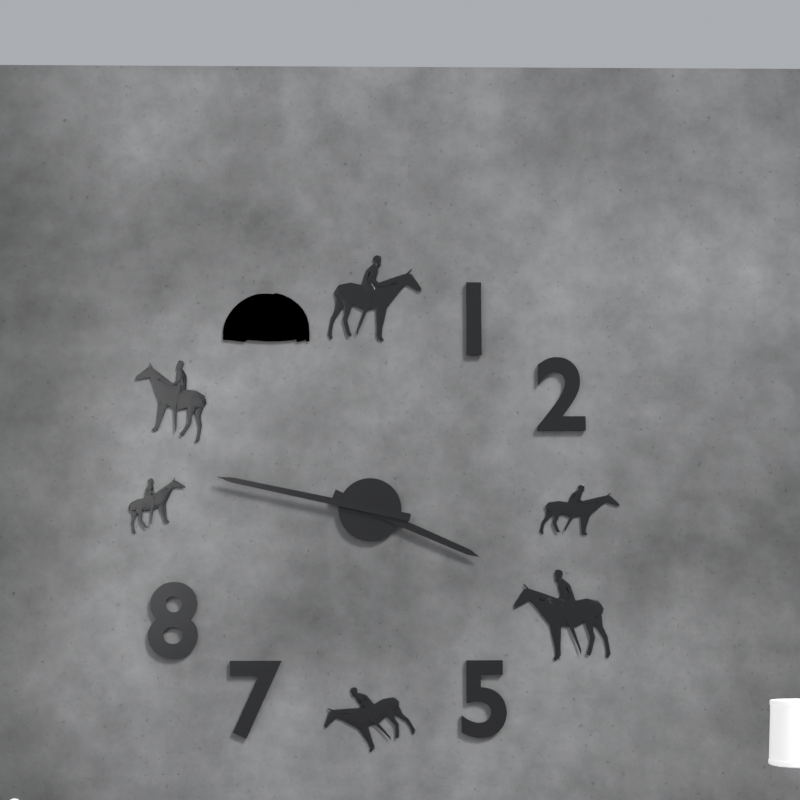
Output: 3.47
